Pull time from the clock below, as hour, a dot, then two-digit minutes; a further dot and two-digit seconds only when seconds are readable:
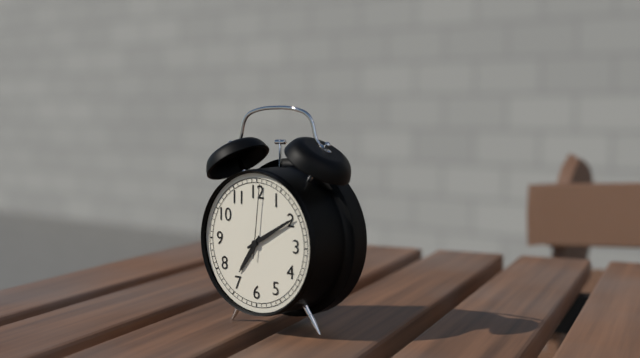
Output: 7.10.01
